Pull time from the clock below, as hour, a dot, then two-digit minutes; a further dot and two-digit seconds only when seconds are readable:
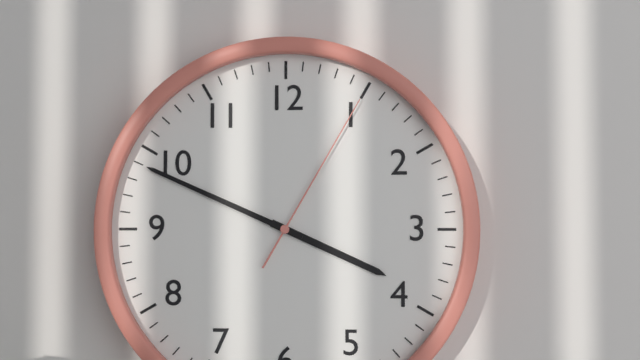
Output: 3.49.05
